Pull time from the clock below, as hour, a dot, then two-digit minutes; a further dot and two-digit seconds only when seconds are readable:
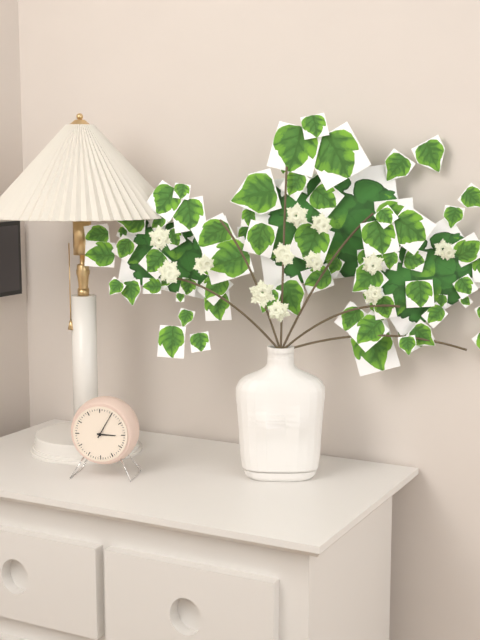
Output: 3.05
